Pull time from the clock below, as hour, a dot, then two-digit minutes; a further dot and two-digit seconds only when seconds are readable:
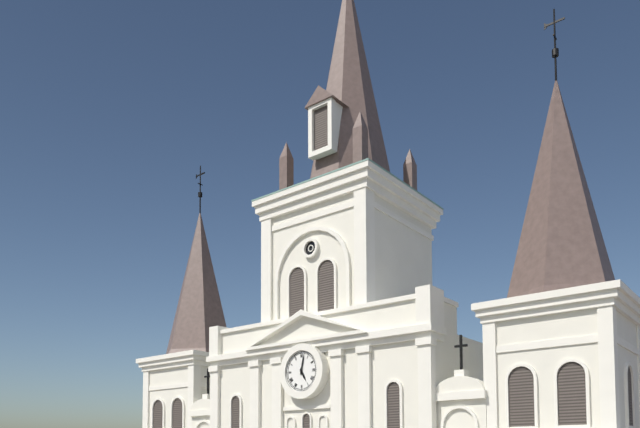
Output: 5.02
